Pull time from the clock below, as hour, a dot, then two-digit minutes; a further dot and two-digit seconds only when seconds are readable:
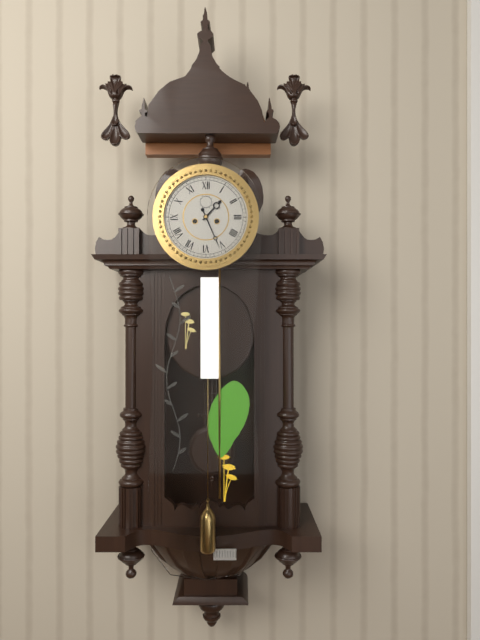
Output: 1.26
